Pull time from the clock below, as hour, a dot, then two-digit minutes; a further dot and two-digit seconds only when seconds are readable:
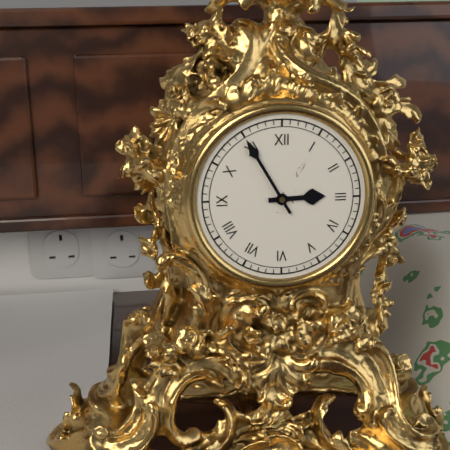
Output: 2.55
